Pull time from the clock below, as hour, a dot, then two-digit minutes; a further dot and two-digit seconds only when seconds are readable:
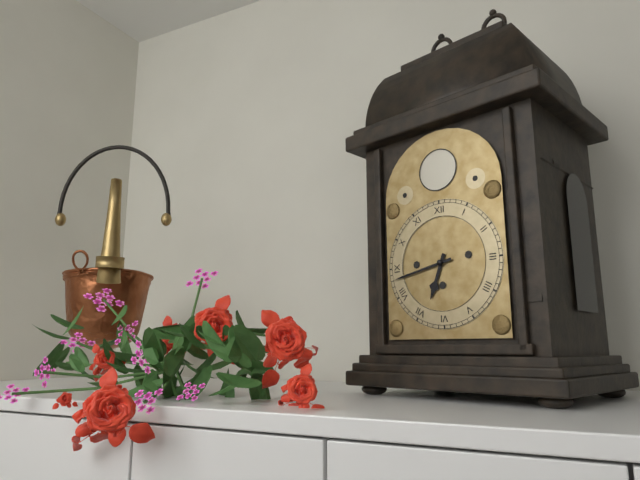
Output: 6.43
